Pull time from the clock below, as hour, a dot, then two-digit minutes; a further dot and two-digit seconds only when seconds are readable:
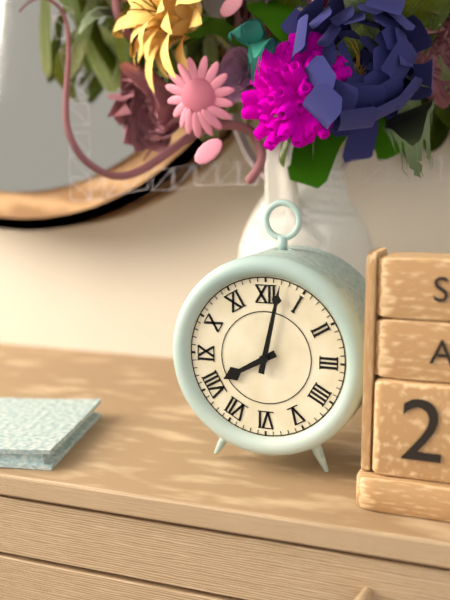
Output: 8.02
